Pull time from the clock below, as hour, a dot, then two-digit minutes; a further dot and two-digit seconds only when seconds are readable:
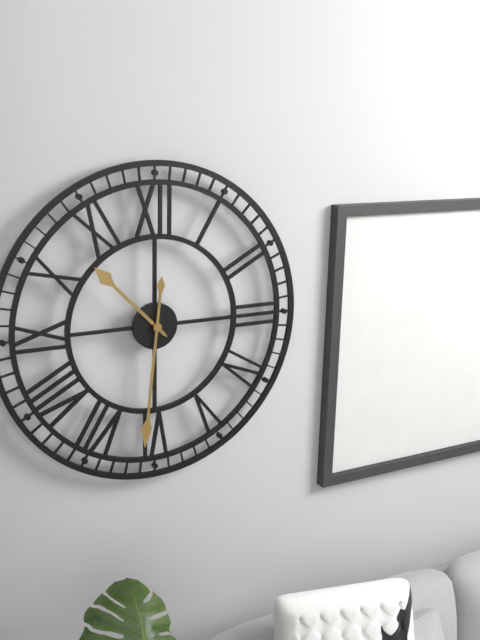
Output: 10.31
